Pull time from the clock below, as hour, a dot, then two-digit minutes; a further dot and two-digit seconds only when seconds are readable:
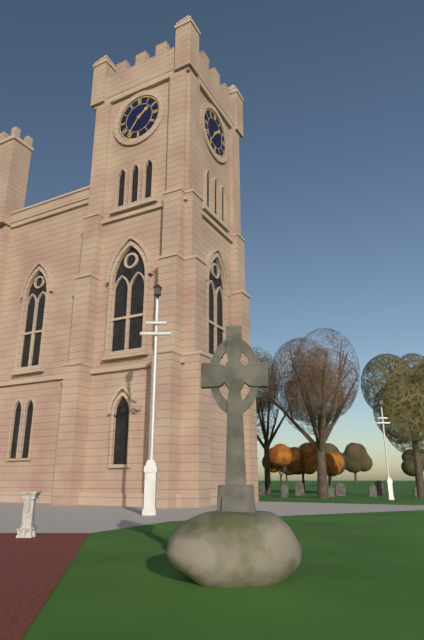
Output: 1.36
